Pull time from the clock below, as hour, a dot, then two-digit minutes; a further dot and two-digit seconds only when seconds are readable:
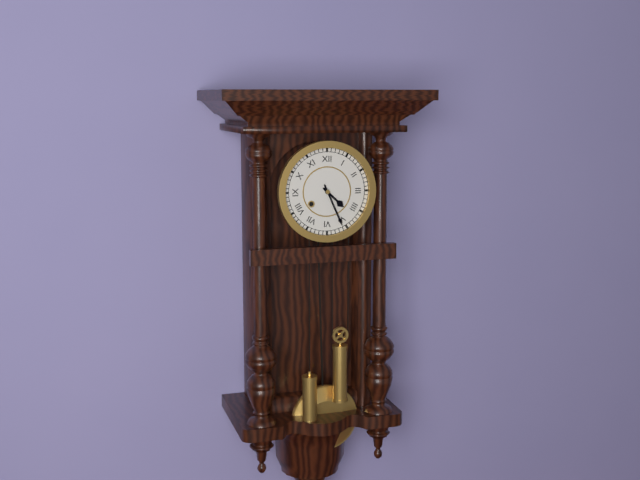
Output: 4.26
